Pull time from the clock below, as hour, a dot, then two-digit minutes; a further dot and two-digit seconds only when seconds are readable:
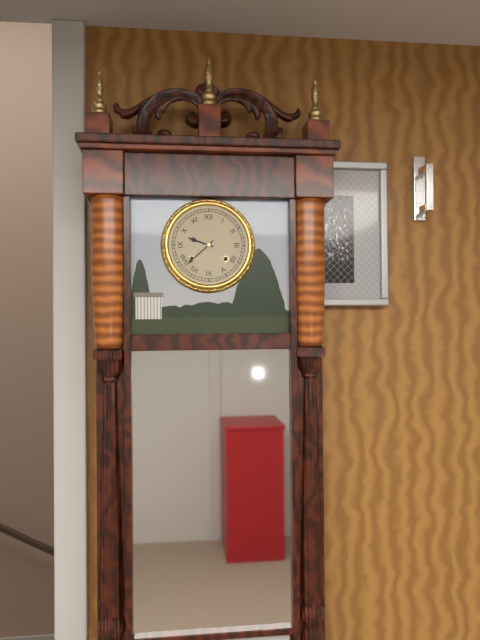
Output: 9.38
